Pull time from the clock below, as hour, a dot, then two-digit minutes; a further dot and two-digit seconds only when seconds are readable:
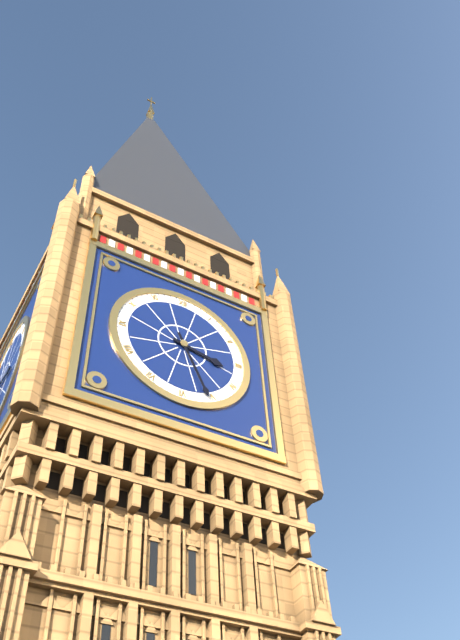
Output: 3.26
